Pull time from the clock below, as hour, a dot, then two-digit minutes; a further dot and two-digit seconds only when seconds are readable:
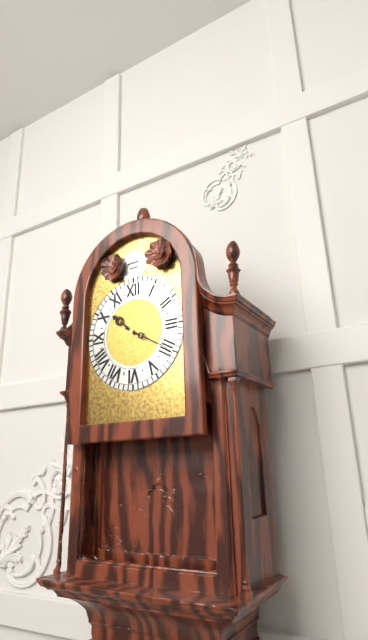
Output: 10.20
